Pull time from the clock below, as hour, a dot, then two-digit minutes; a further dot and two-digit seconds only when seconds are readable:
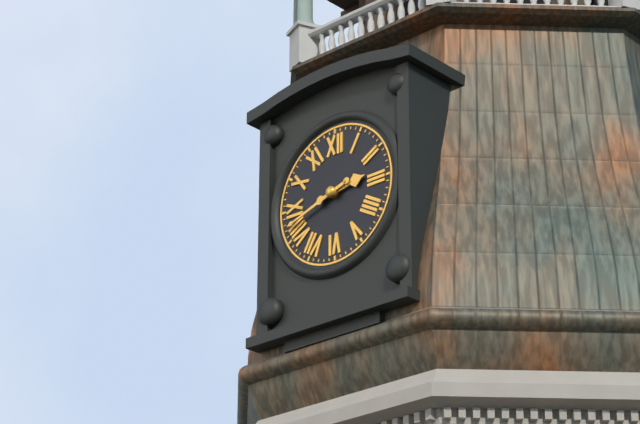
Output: 2.42
